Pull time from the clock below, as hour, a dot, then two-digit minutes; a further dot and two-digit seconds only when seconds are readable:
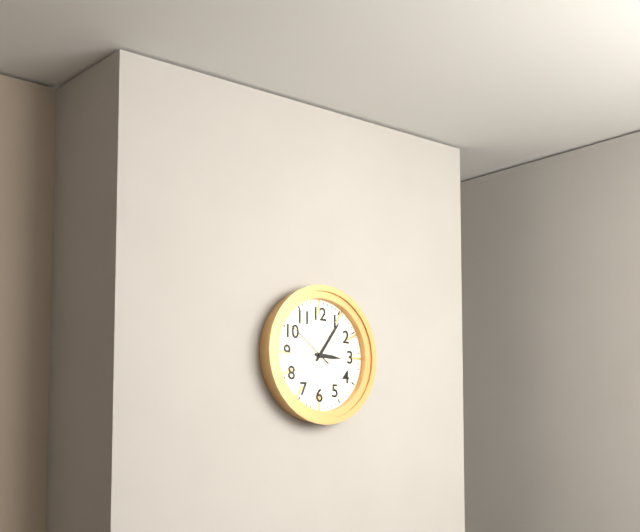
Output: 3.06.51
